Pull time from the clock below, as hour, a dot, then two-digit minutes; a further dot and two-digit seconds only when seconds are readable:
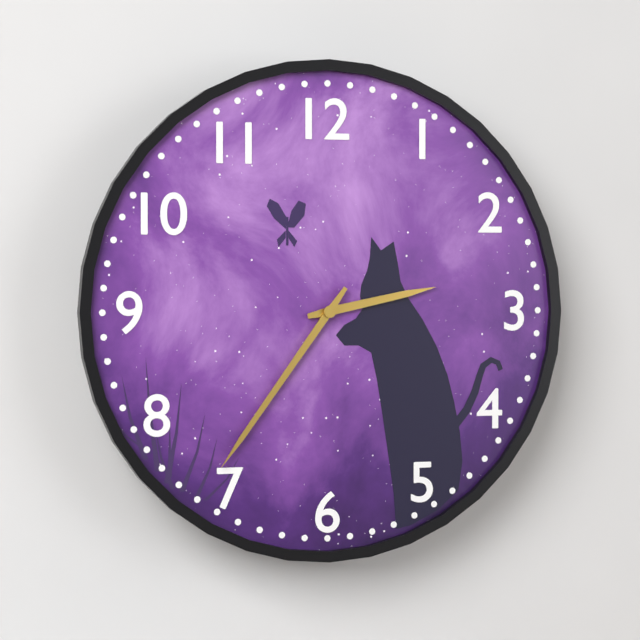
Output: 2.36
